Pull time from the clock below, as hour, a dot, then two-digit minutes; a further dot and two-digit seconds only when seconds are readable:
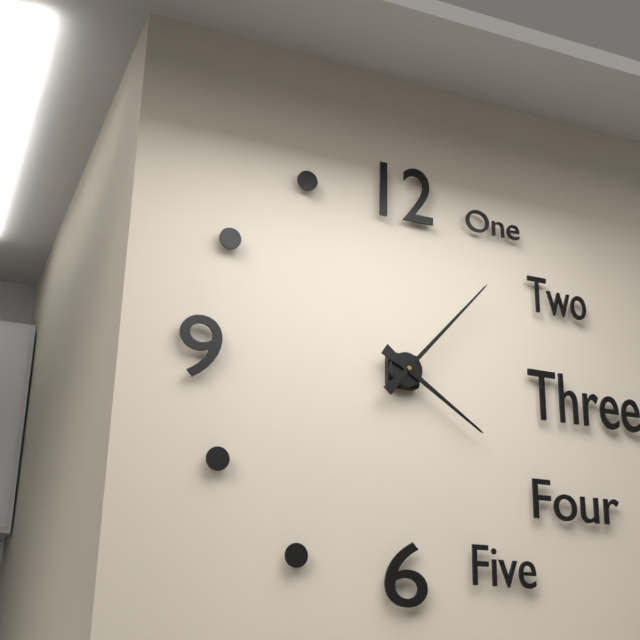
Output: 4.07
